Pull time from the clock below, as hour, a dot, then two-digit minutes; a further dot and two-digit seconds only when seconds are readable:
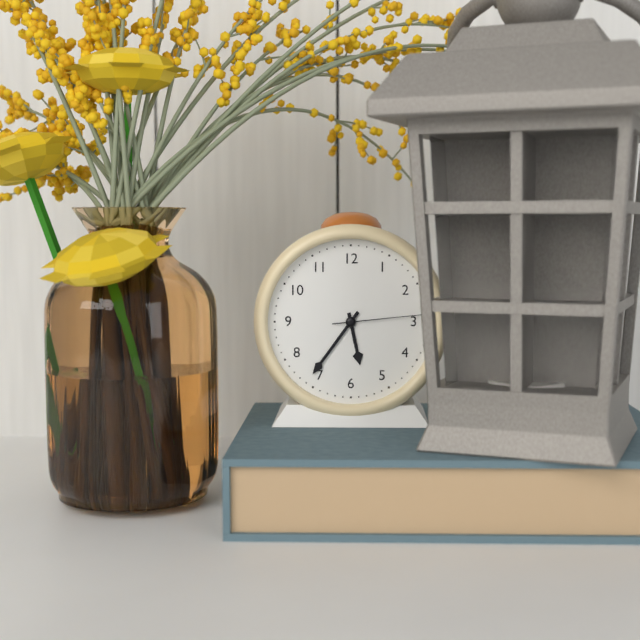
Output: 5.36.14
